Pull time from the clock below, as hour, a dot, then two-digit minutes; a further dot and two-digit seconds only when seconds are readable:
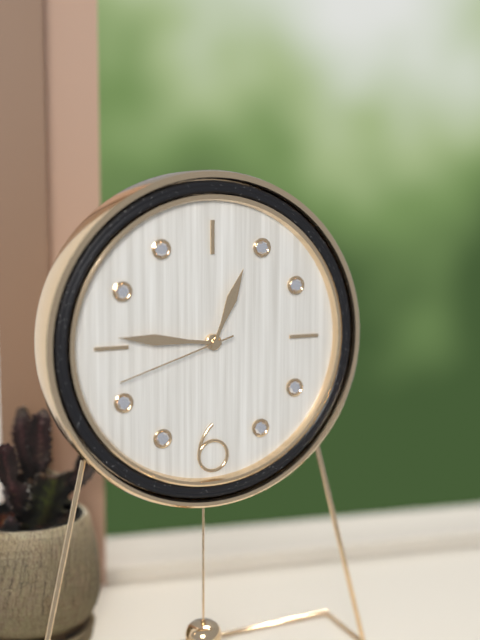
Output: 12.46.42
